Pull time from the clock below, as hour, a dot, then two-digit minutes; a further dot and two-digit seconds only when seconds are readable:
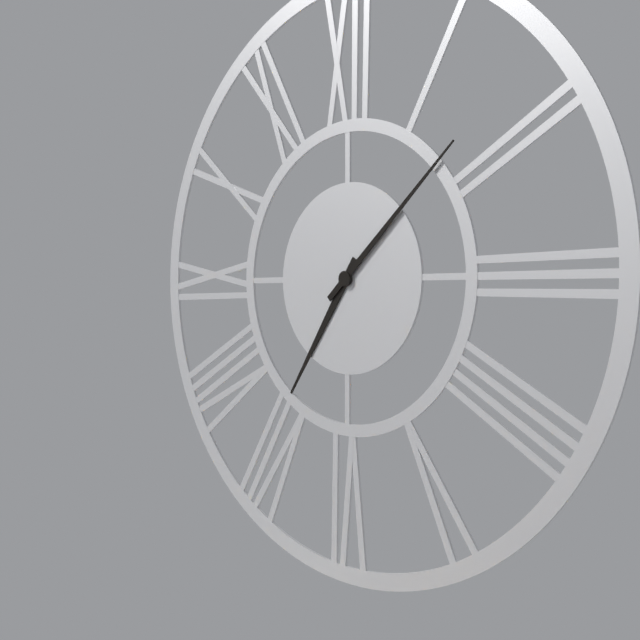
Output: 7.08
